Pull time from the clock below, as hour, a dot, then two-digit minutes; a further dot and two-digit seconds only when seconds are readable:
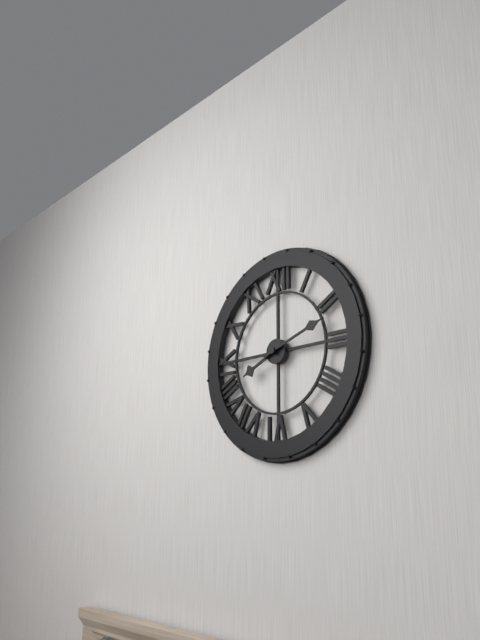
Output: 8.12
